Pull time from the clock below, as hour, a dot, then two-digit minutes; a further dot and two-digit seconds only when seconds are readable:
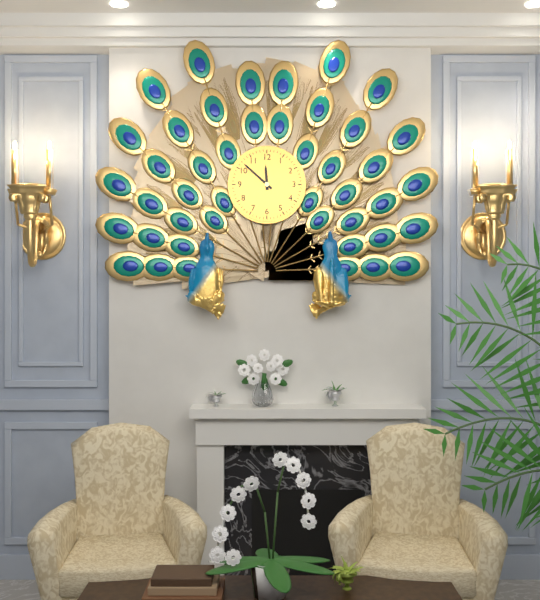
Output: 11.52
